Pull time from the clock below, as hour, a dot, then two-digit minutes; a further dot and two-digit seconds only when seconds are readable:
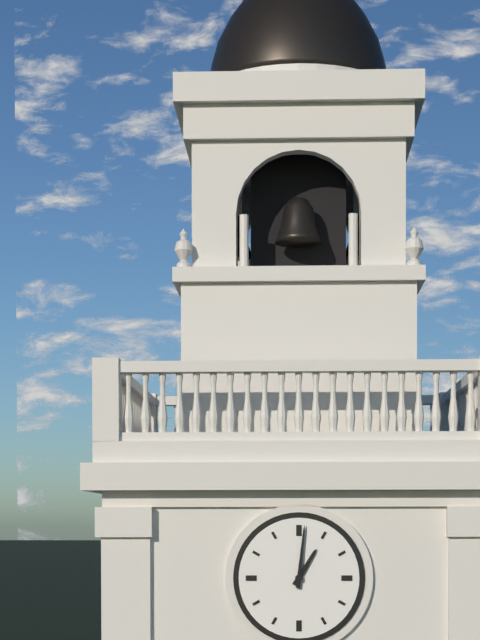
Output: 1.01
